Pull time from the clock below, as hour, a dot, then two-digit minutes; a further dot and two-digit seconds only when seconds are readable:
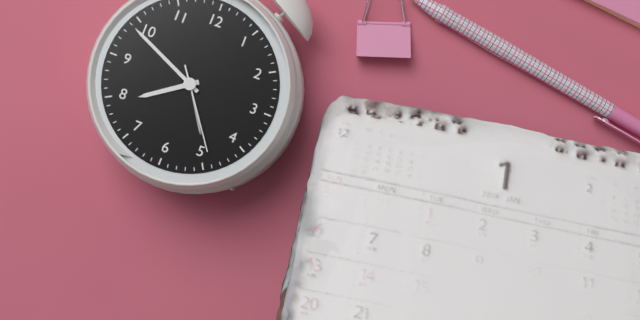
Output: 7.49.24
